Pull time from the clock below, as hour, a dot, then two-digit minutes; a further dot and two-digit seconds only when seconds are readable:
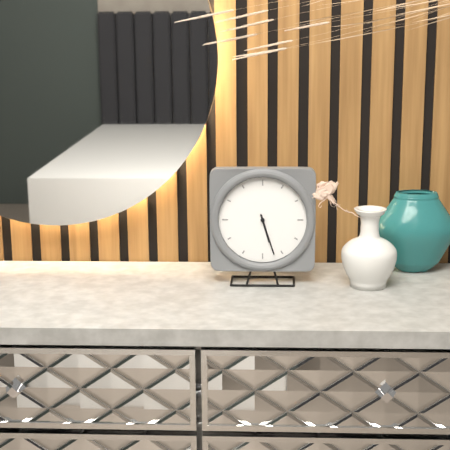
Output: 5.27
